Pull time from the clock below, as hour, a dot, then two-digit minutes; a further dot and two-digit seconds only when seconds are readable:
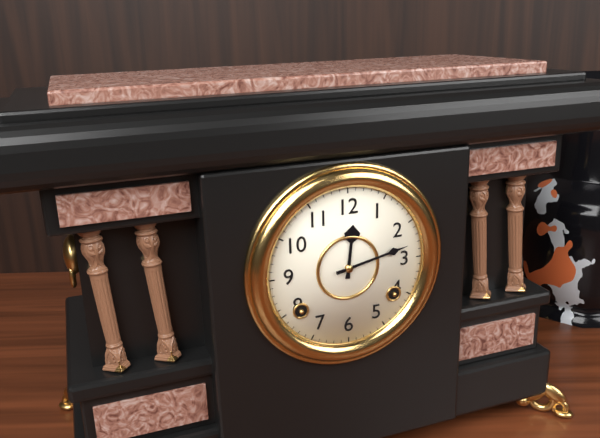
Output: 12.13
